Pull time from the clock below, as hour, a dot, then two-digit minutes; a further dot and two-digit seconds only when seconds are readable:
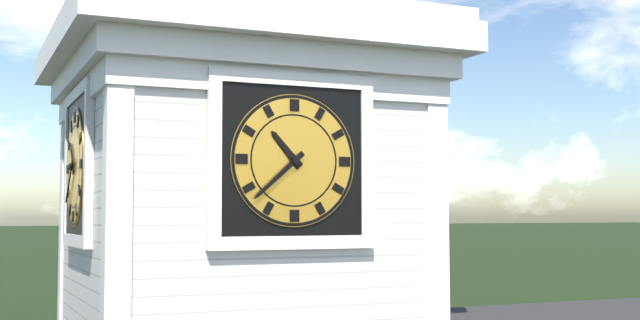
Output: 10.38
